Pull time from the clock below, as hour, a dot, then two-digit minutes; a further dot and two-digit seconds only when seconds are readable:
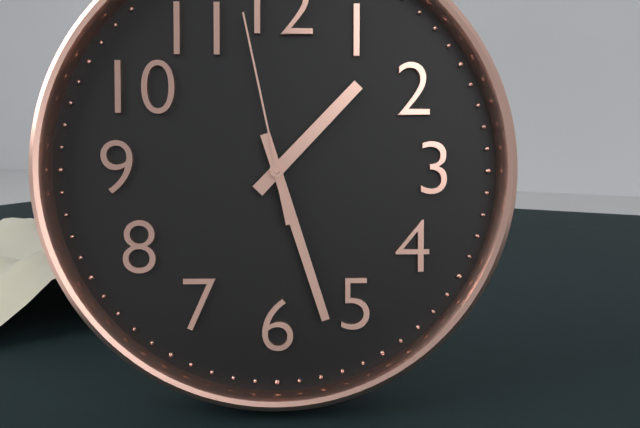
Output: 1.27.58
